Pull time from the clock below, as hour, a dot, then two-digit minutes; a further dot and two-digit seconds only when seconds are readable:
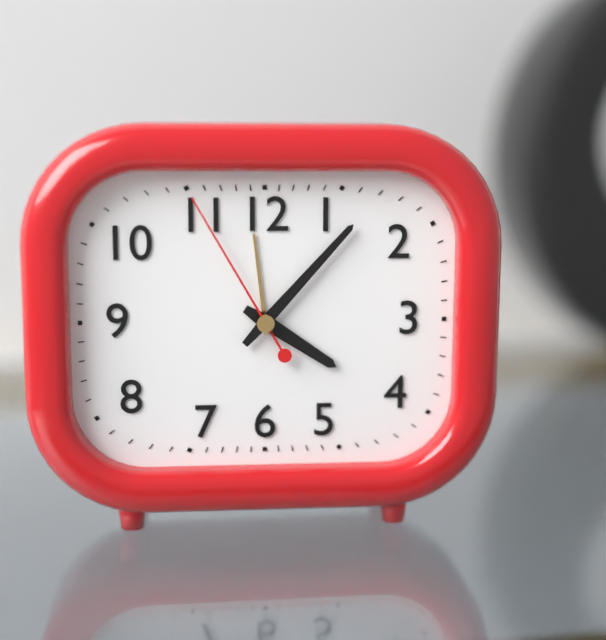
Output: 4.07.55
